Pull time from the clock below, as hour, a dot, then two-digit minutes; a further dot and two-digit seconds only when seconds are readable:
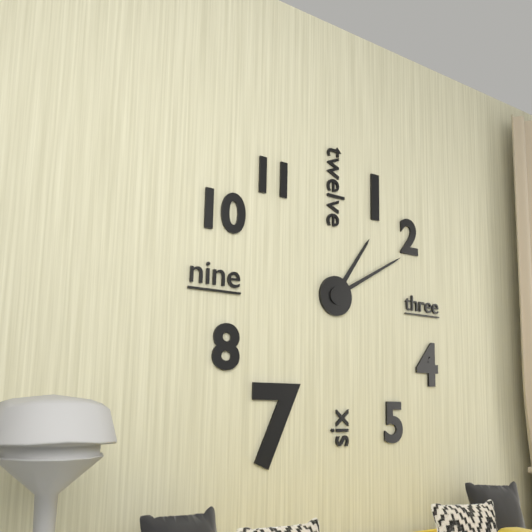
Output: 1.10
